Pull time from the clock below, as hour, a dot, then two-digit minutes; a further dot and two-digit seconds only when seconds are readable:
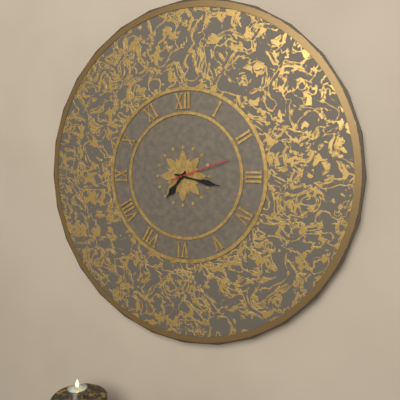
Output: 7.17.12
